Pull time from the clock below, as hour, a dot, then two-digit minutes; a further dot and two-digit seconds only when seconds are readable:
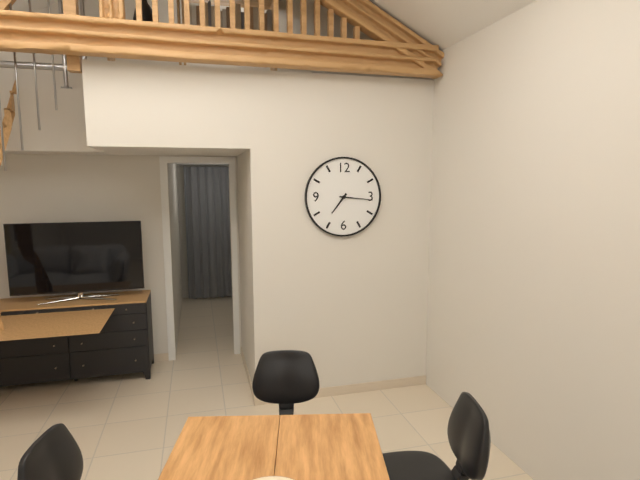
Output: 7.16
